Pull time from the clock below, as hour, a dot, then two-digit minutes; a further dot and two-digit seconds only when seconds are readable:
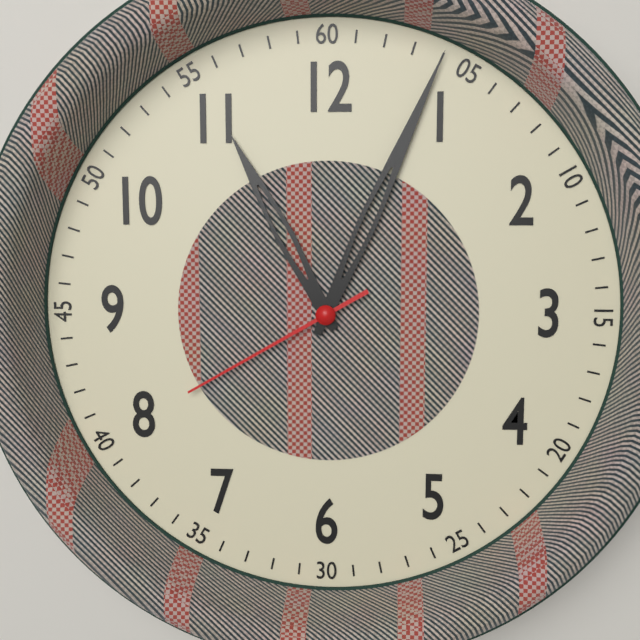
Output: 11.04.40
